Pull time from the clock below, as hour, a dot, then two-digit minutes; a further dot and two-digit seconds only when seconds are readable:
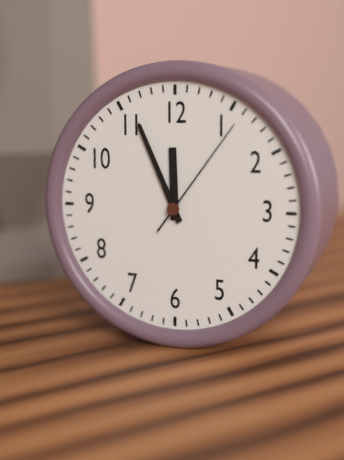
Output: 11.56.06
